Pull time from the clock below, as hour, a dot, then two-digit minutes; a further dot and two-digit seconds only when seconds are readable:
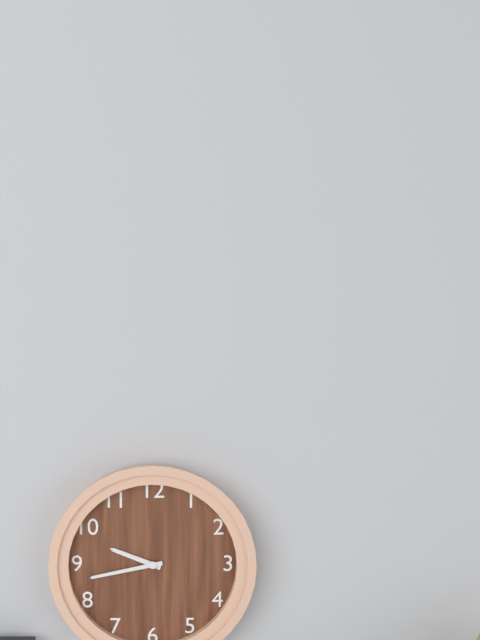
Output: 9.43
